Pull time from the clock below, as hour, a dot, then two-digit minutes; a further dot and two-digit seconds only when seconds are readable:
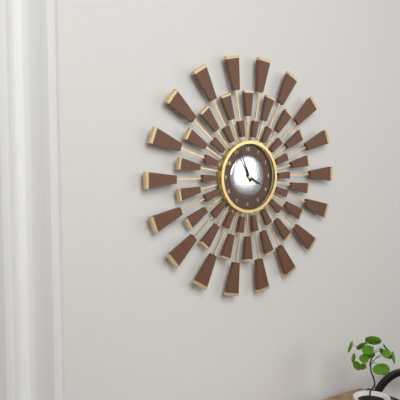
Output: 3.56
